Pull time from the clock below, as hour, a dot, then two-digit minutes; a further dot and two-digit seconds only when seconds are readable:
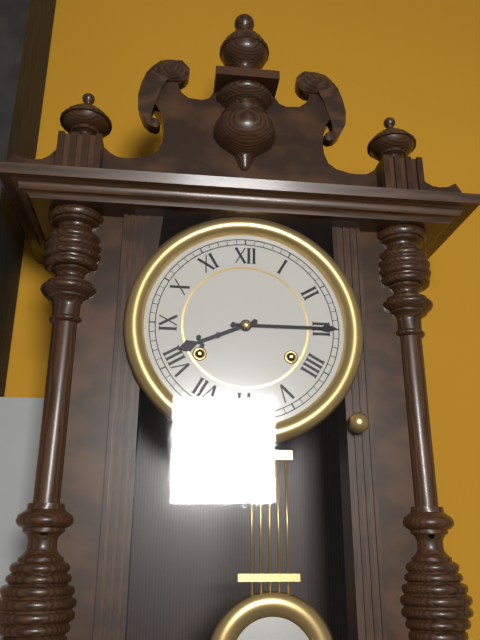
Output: 8.15
